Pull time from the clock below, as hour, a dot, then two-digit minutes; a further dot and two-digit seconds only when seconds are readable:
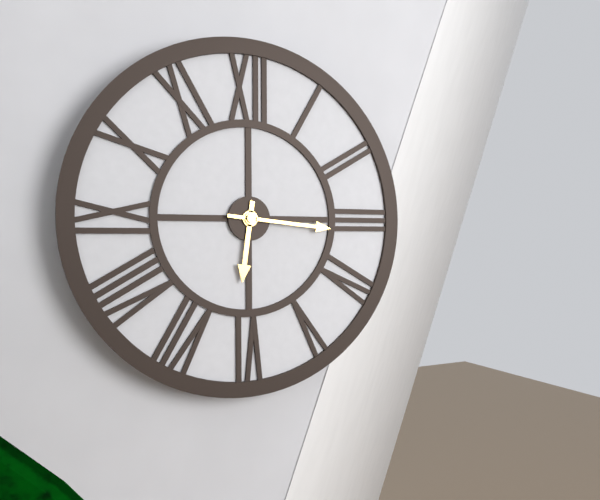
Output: 6.16
